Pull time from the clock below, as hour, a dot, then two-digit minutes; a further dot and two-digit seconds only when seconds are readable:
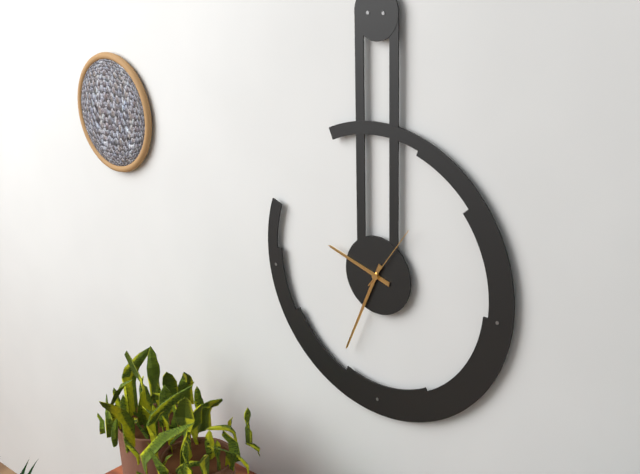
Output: 9.34.06
